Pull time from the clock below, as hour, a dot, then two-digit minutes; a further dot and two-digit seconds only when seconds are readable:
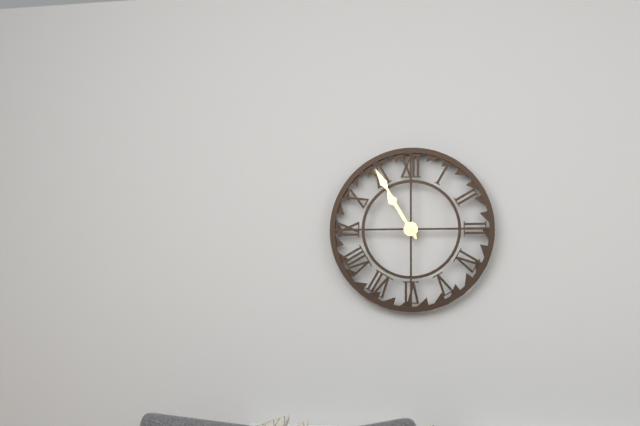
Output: 10.55
